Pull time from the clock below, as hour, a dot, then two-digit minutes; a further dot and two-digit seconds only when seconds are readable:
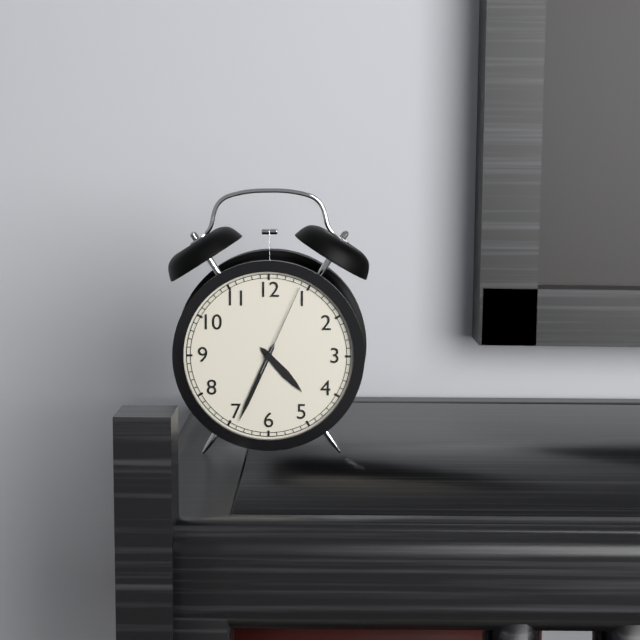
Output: 4.34.04
